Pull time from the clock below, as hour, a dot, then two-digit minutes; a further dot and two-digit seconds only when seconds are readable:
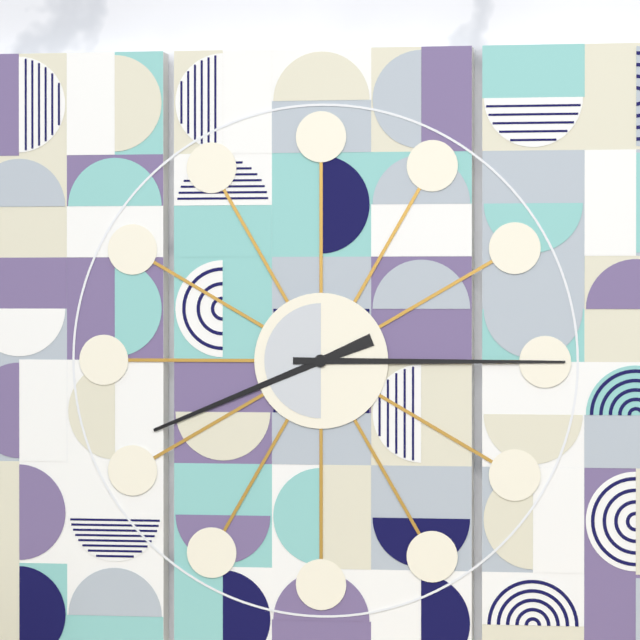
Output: 8.15
